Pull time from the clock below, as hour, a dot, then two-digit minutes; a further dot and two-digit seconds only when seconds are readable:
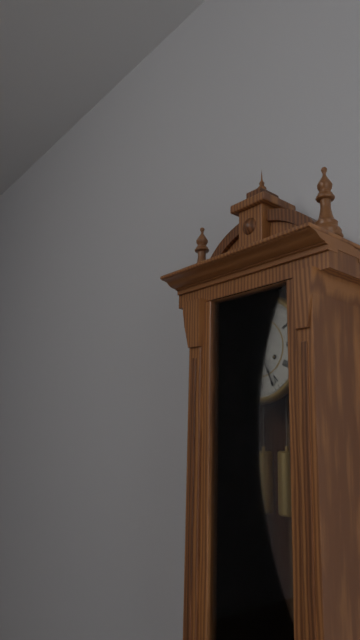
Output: 12.26
